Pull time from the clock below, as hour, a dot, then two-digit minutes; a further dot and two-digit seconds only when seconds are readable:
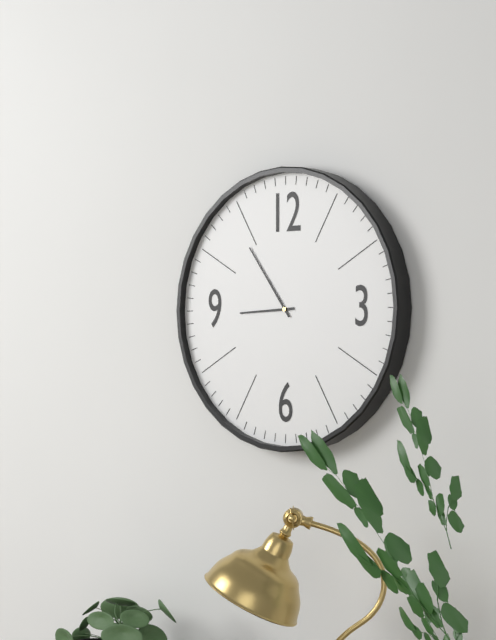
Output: 8.54
